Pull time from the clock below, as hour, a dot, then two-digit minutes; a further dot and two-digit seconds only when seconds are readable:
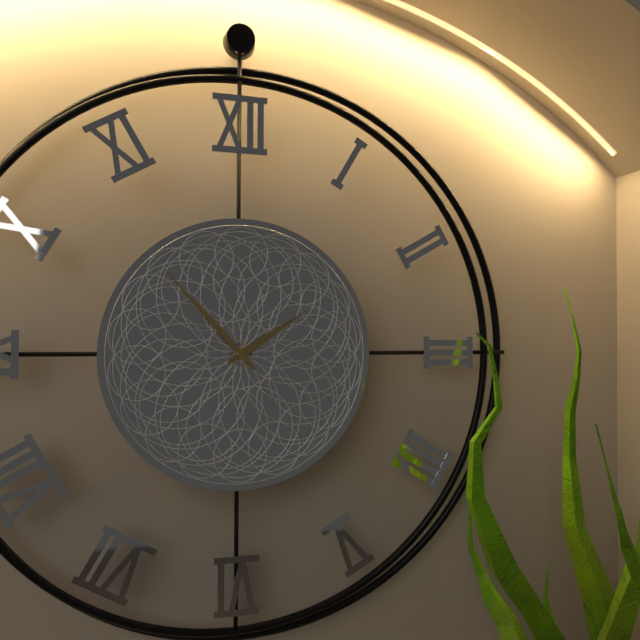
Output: 1.53
